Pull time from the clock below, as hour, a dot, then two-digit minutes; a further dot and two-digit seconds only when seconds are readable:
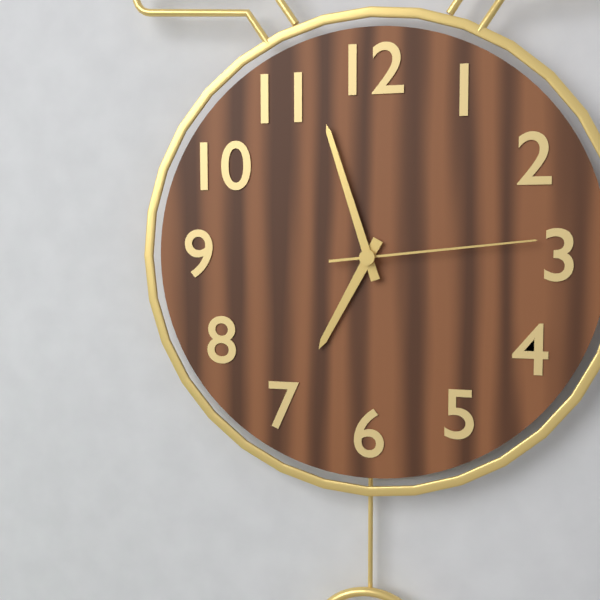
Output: 6.57.14
